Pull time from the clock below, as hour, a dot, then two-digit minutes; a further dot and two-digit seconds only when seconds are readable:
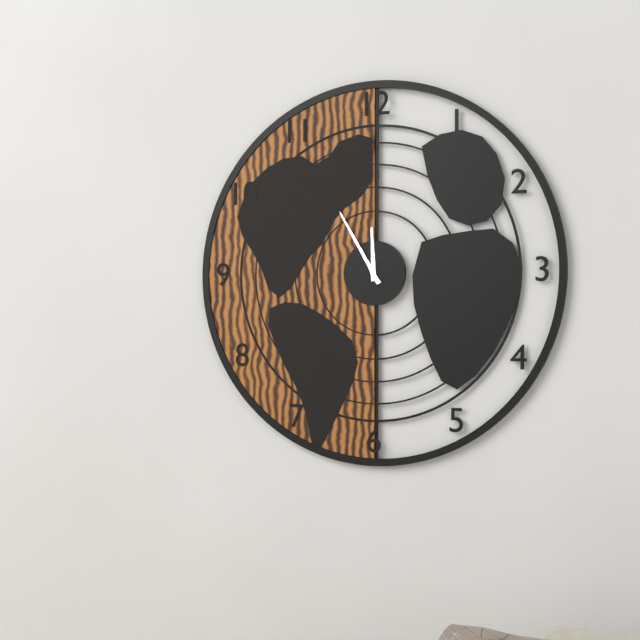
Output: 11.55
